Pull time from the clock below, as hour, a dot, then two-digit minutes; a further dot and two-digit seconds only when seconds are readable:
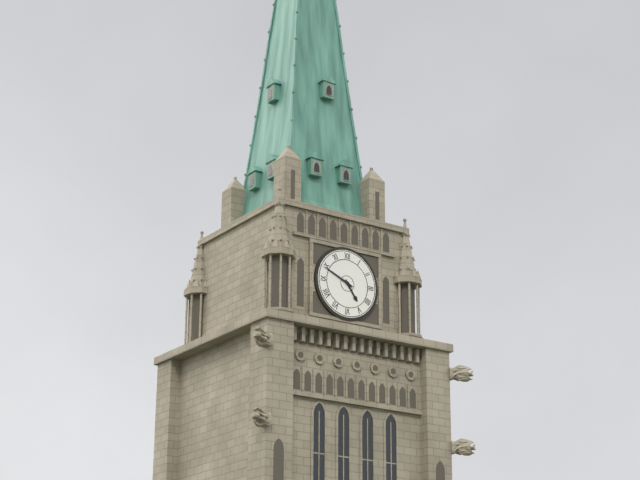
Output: 4.49
